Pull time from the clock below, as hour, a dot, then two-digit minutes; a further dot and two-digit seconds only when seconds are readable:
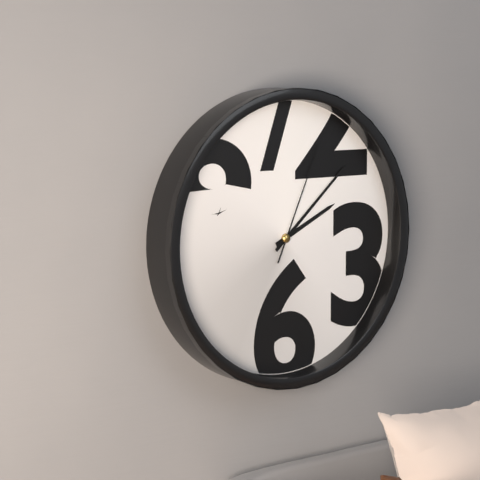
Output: 2.08.04
